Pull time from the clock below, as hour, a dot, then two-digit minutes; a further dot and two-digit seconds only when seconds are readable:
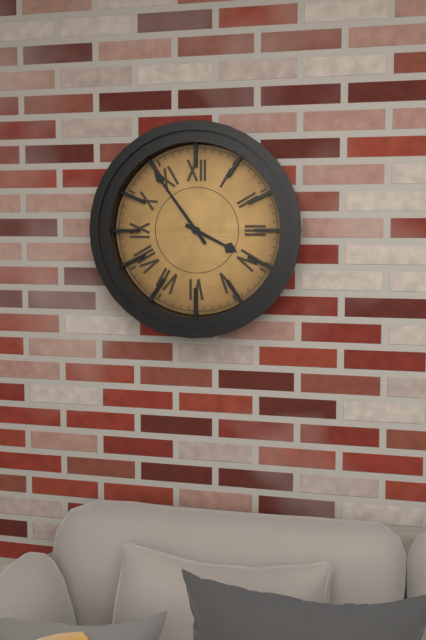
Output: 3.54
